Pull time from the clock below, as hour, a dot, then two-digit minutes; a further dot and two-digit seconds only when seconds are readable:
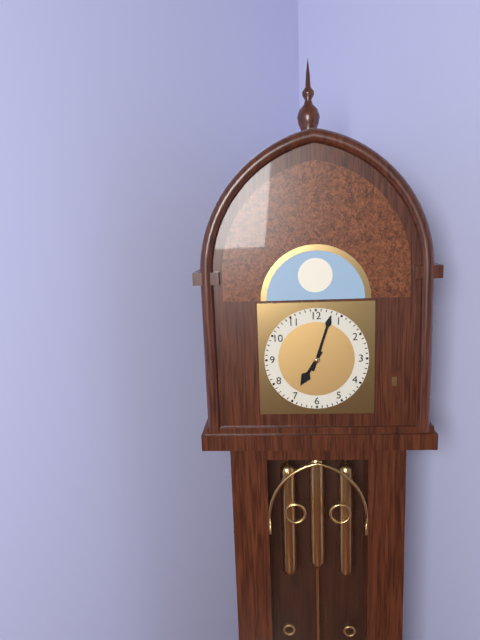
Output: 7.03
